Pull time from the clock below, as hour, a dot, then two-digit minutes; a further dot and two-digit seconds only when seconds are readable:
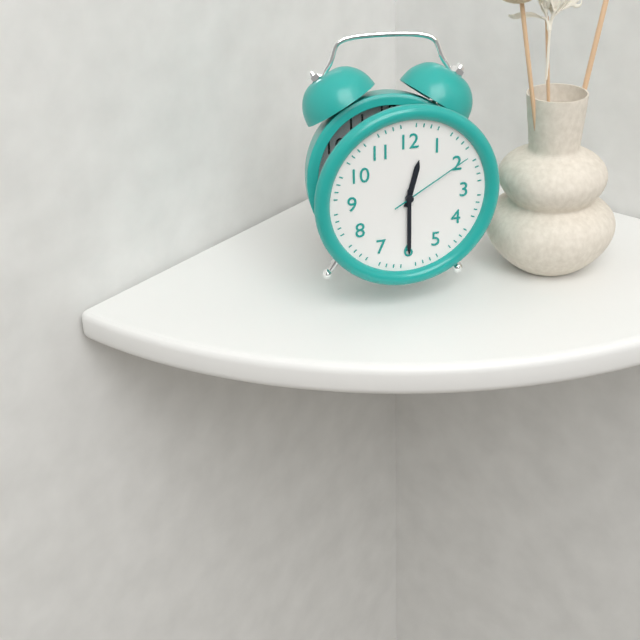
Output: 12.30.10
